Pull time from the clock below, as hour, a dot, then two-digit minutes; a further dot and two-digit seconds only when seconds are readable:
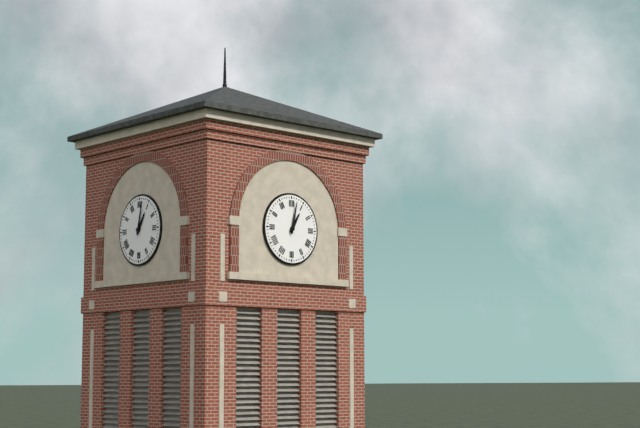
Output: 1.02
